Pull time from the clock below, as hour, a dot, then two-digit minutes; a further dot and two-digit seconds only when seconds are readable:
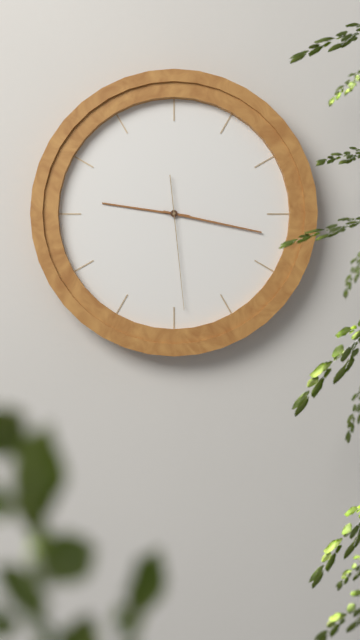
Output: 9.17.29
